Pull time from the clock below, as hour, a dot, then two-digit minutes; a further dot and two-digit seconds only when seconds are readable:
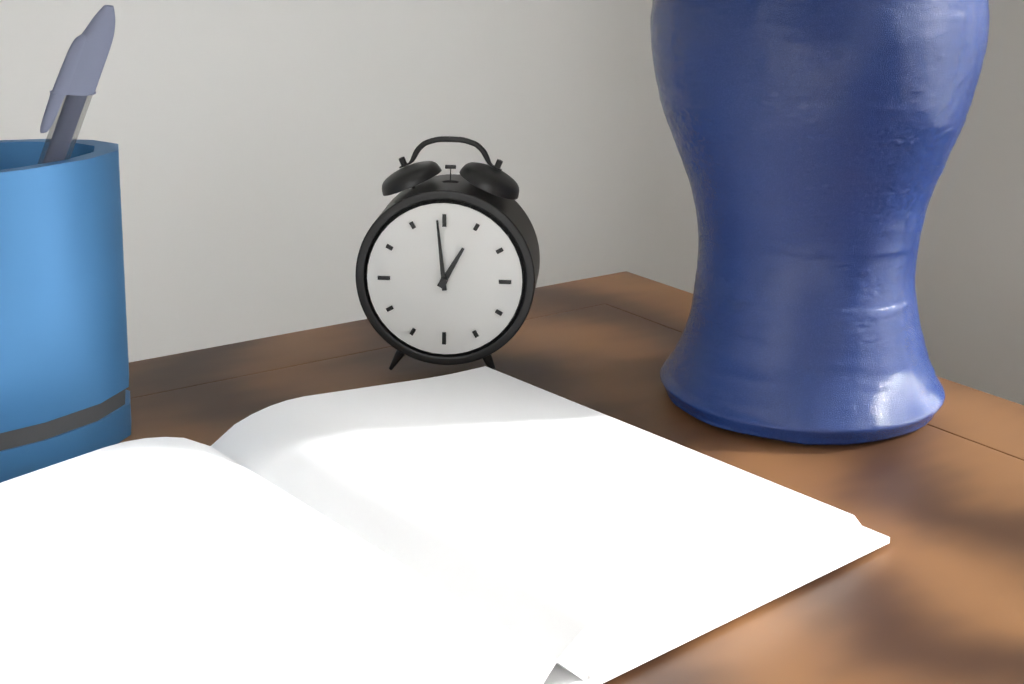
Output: 12.59
